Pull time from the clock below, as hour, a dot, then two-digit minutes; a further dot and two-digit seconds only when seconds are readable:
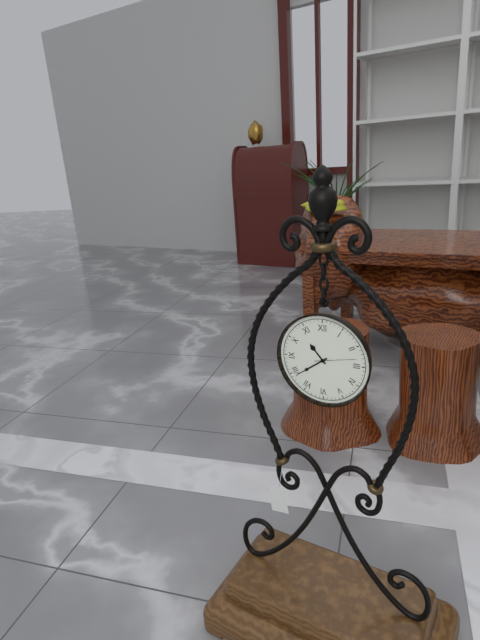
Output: 10.39
